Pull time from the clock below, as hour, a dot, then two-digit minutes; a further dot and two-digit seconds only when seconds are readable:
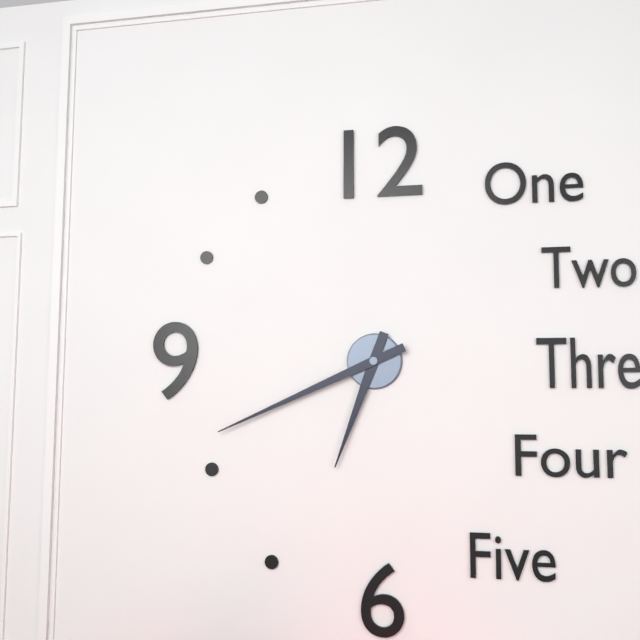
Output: 6.41
